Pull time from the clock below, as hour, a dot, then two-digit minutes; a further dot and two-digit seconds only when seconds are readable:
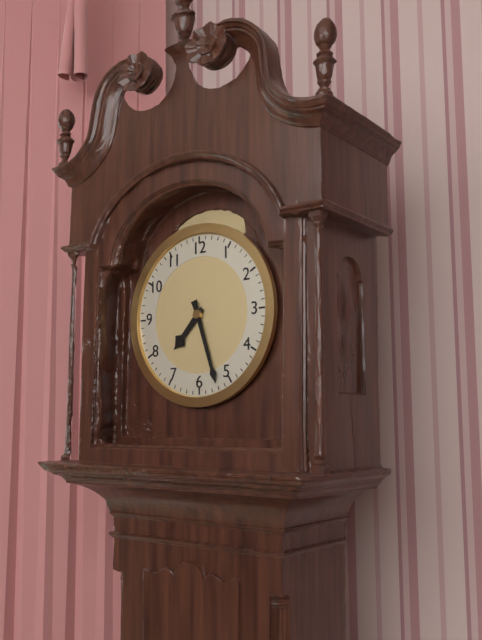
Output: 7.27
